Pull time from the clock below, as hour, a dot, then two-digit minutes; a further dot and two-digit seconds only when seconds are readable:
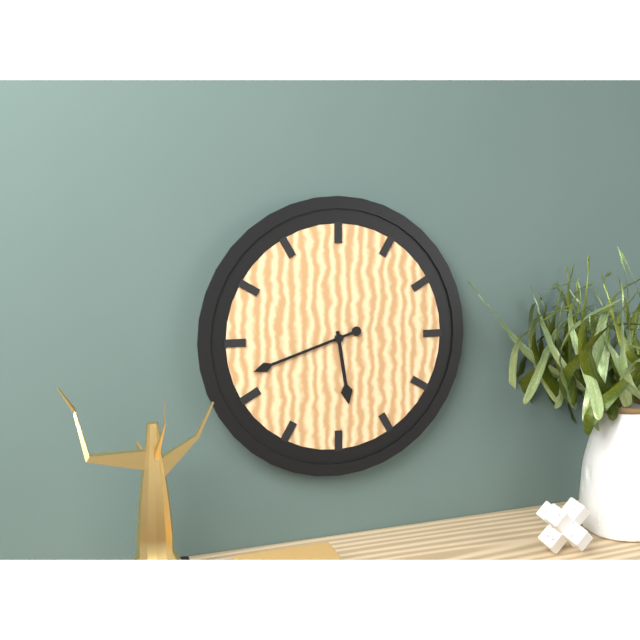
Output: 5.42
